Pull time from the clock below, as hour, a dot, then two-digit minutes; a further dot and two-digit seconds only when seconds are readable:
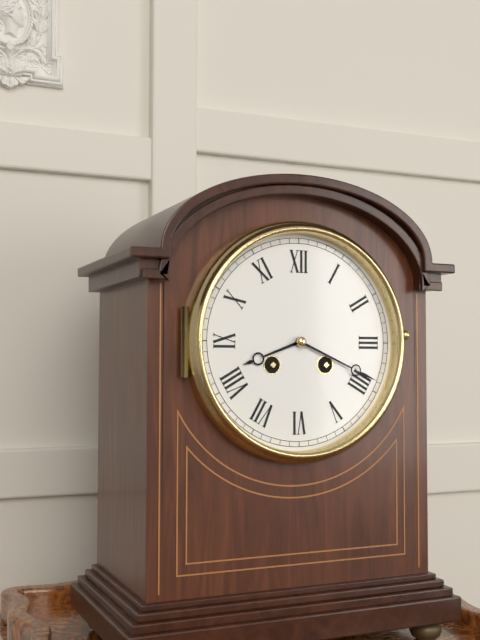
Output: 8.19
